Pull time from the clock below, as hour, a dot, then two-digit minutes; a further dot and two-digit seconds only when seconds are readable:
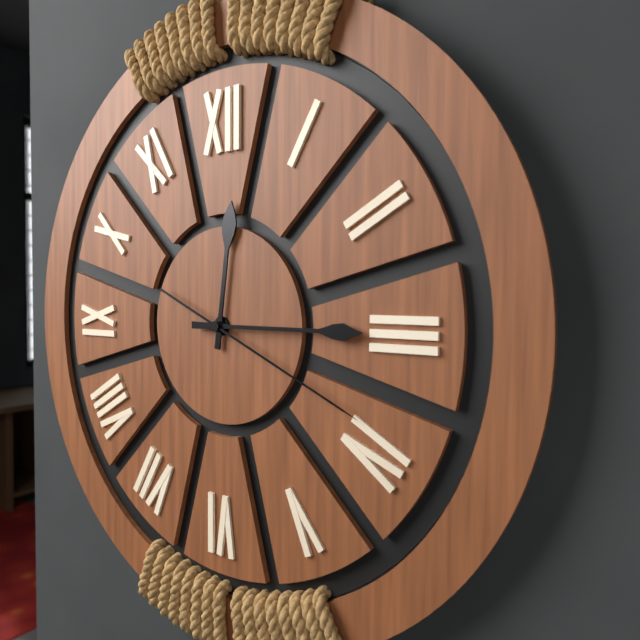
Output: 12.15.19
